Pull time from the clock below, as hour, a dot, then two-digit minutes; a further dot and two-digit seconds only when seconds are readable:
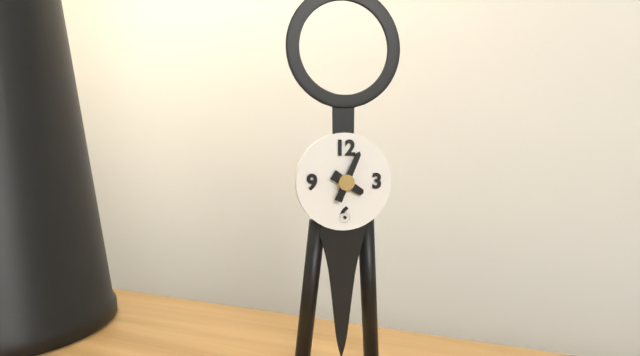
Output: 4.04
